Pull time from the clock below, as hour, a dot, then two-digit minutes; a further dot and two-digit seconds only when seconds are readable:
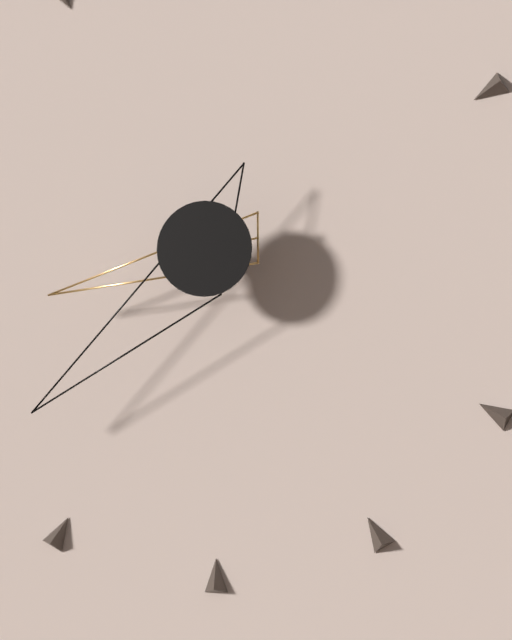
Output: 8.38
